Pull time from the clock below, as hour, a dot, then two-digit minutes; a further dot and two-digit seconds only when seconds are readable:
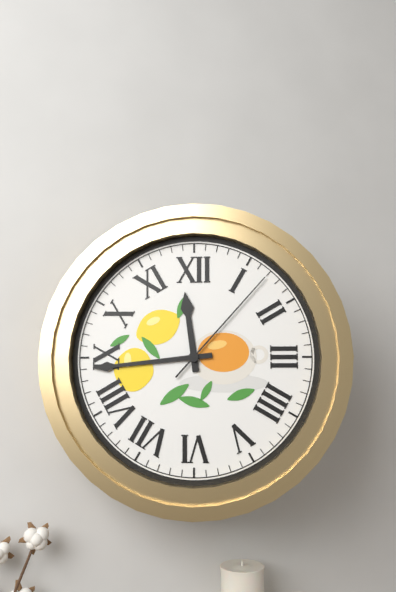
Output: 11.44.07
